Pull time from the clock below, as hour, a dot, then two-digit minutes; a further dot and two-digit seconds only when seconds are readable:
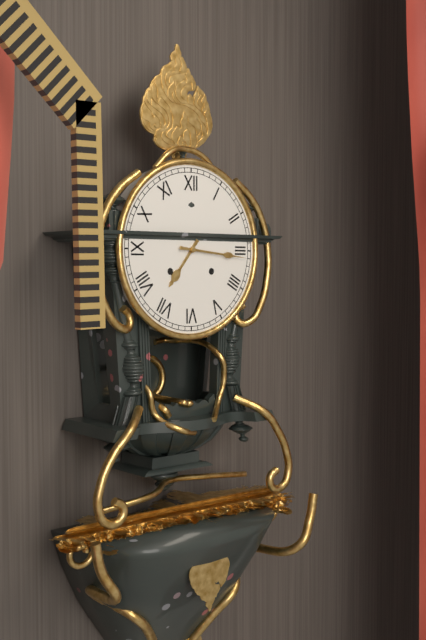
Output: 7.16
